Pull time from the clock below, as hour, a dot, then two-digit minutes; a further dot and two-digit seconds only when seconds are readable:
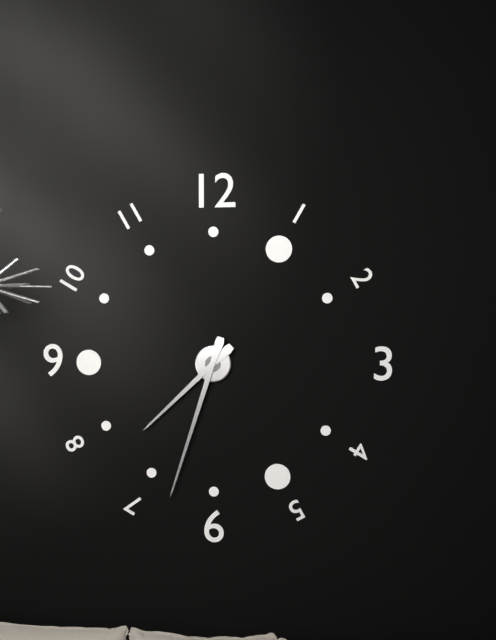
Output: 7.33
